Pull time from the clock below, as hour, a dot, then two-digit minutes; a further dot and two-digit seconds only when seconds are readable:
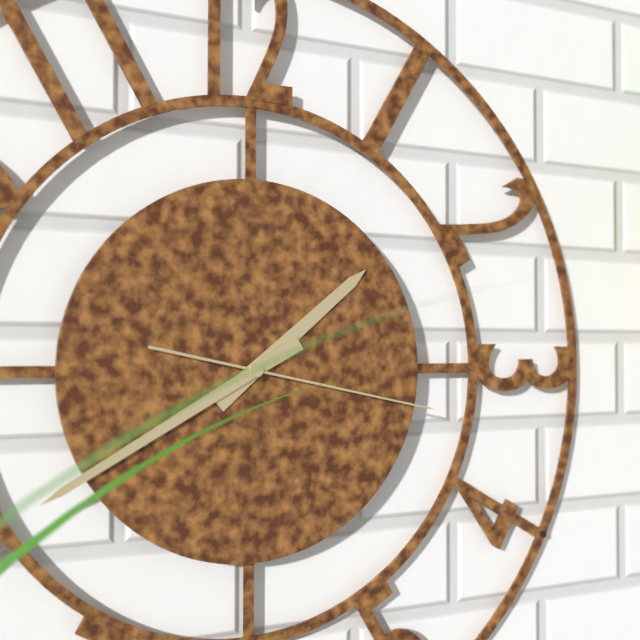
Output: 1.40.17
